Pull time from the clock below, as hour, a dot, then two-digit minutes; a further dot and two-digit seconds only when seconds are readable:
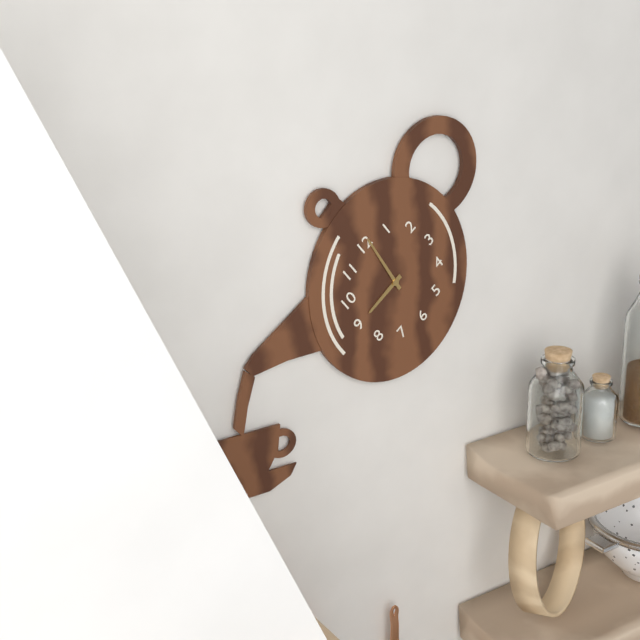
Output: 9.01
